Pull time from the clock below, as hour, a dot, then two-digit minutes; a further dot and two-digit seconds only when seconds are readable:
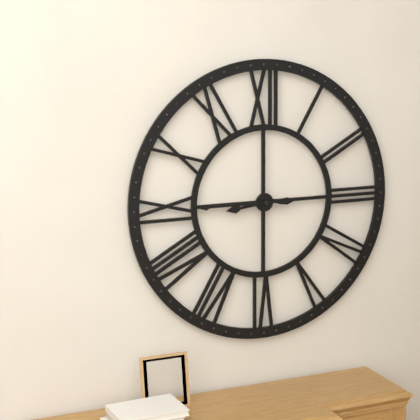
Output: 8.45
